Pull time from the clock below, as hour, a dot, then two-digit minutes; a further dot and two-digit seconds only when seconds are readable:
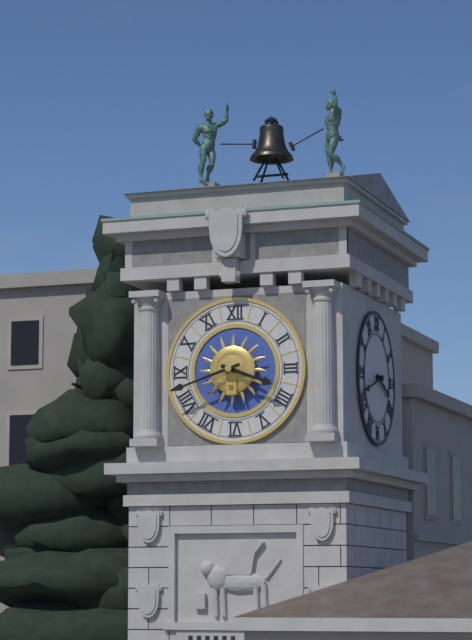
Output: 3.42
